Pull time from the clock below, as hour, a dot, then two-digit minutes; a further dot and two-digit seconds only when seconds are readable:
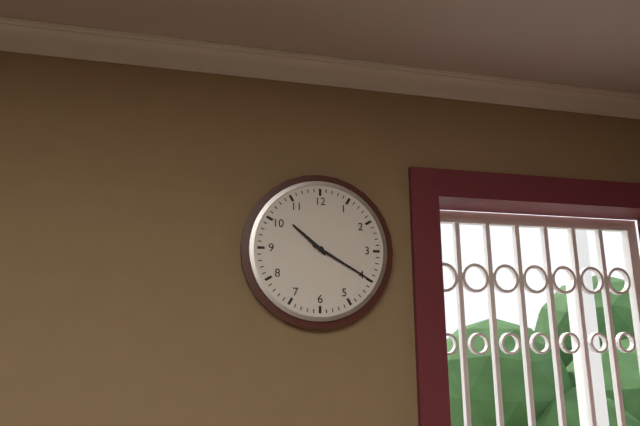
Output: 10.20
